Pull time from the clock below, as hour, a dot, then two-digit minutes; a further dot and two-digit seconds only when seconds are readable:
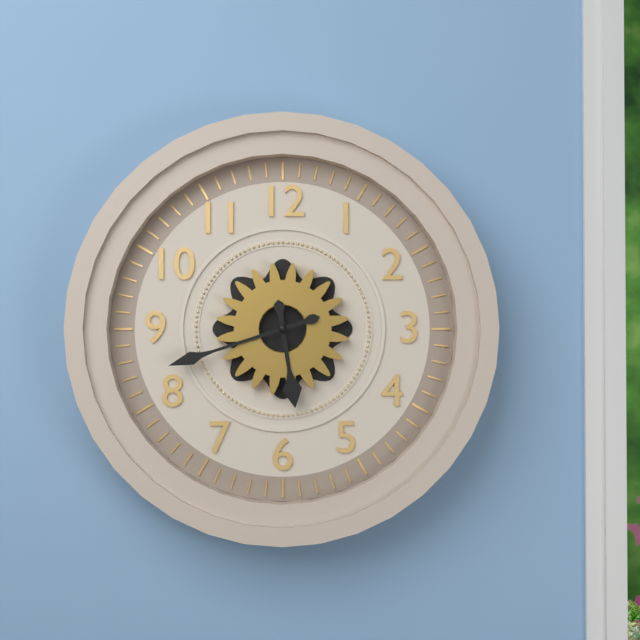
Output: 5.42
